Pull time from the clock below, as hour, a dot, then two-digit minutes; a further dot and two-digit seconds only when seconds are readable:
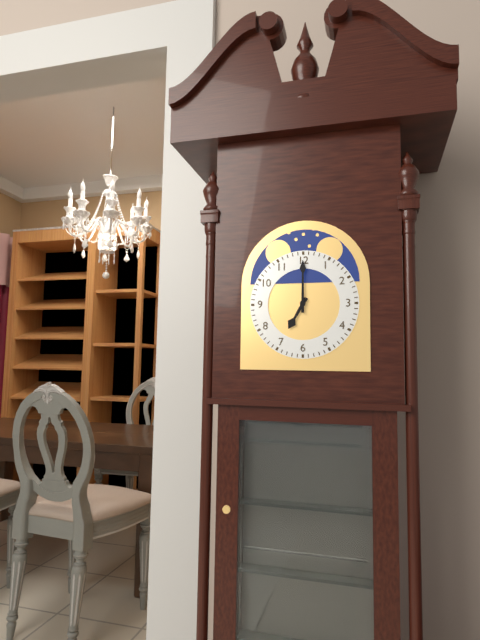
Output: 7.00
